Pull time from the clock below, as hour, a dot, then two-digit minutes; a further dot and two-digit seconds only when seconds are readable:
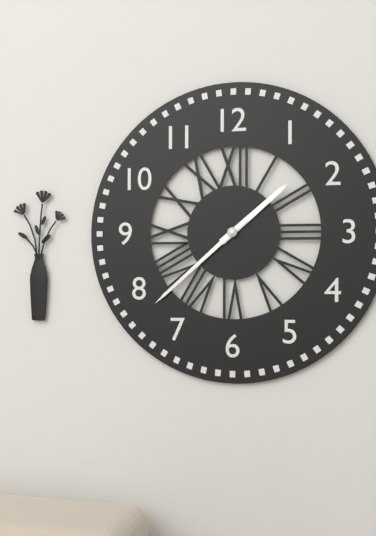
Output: 1.38
